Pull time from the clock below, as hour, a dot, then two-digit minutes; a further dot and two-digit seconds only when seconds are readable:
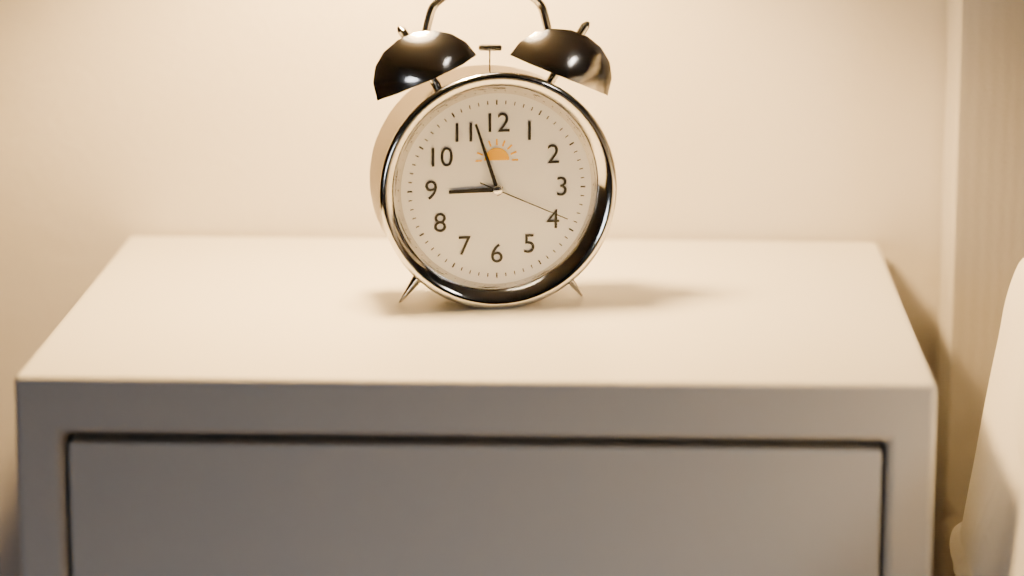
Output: 8.57.19
